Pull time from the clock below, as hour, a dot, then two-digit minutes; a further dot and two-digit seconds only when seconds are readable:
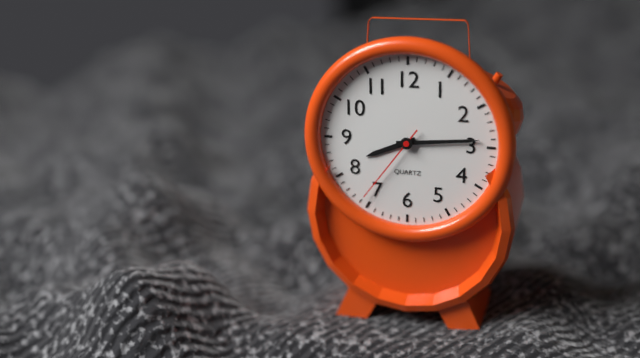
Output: 8.14.36
